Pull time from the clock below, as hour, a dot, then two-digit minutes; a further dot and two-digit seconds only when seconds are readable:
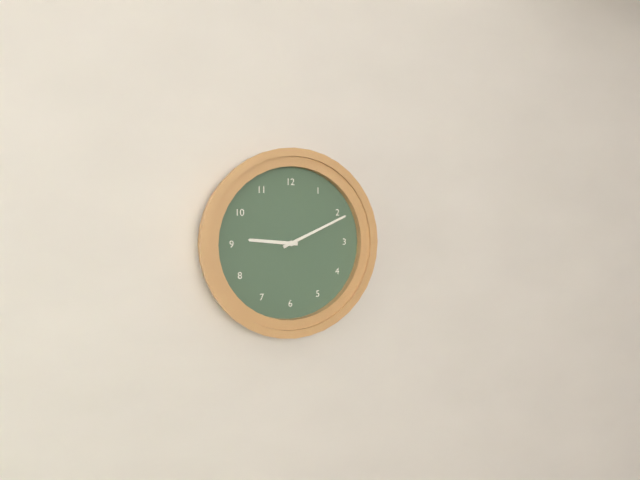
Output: 9.11
